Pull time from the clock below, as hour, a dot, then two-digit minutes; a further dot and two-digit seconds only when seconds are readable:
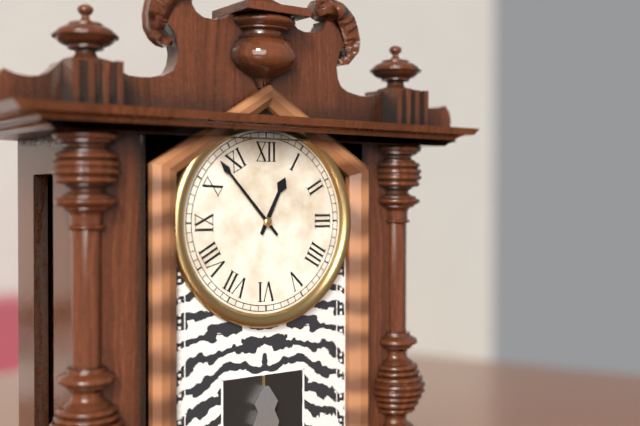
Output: 12.53
